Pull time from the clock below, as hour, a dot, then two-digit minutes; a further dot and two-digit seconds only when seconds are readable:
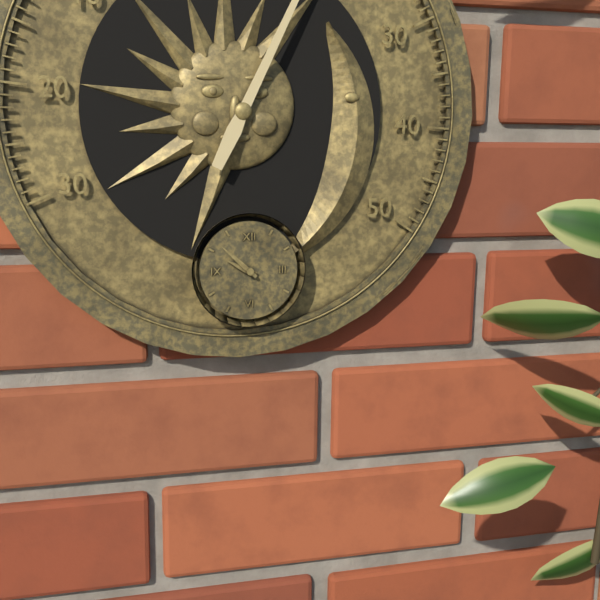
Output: 9.52
